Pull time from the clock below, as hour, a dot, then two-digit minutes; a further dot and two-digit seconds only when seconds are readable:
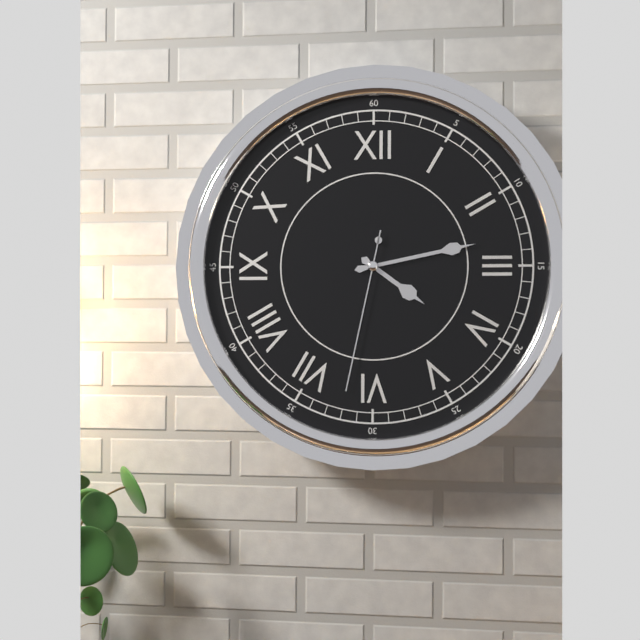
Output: 4.13.32
